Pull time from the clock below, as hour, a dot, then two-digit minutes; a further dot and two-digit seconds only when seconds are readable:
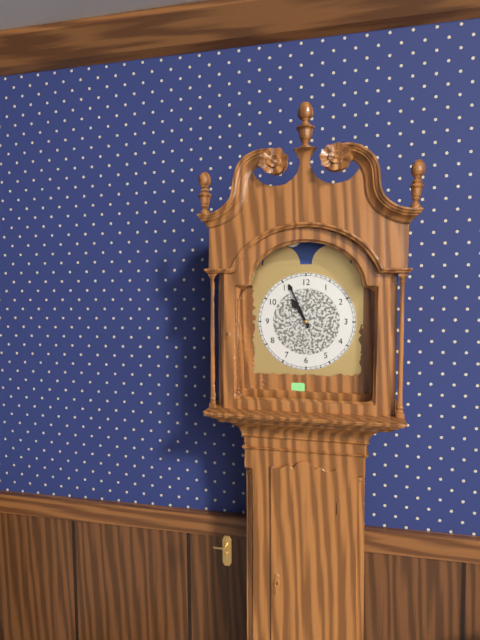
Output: 10.56
